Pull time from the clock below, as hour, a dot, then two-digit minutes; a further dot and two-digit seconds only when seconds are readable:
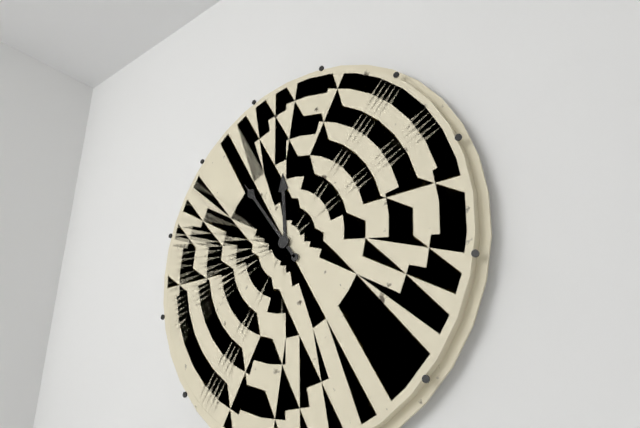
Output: 11.54
